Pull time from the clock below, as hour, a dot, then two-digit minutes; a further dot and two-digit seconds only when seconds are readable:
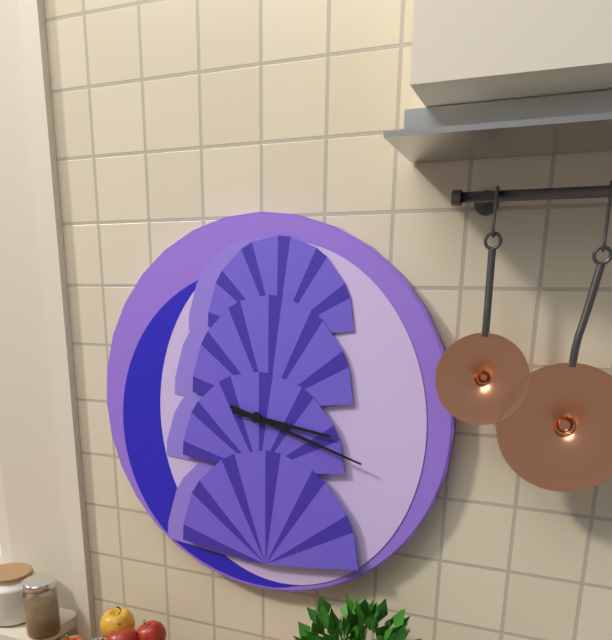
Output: 3.18
